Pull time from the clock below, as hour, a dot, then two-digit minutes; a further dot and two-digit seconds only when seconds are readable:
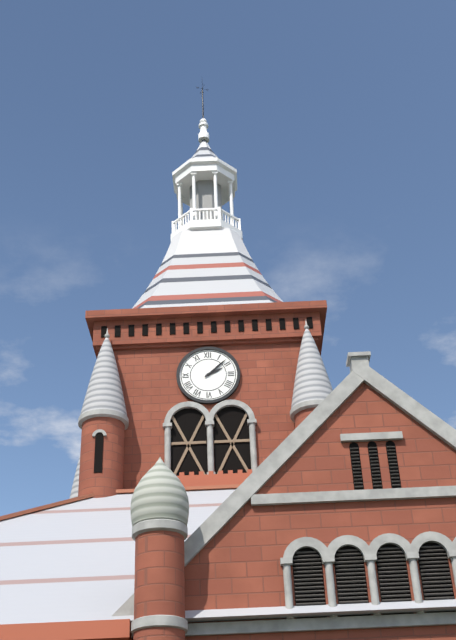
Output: 2.08
